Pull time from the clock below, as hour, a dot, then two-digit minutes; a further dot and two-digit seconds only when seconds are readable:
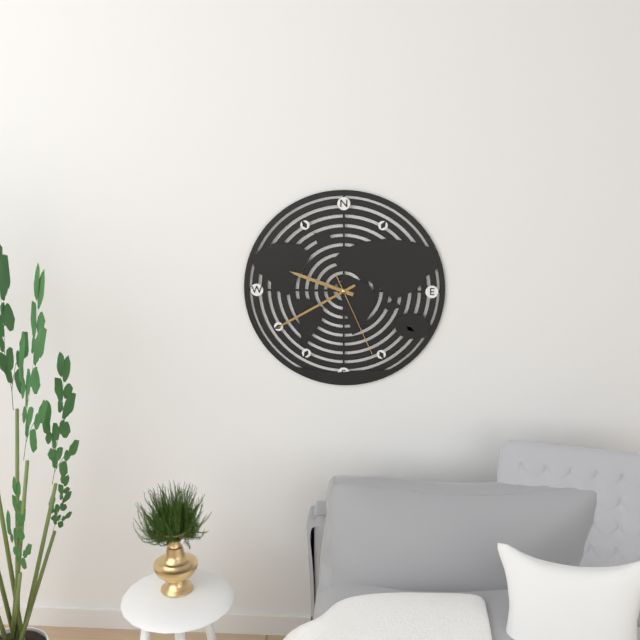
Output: 9.40.26
